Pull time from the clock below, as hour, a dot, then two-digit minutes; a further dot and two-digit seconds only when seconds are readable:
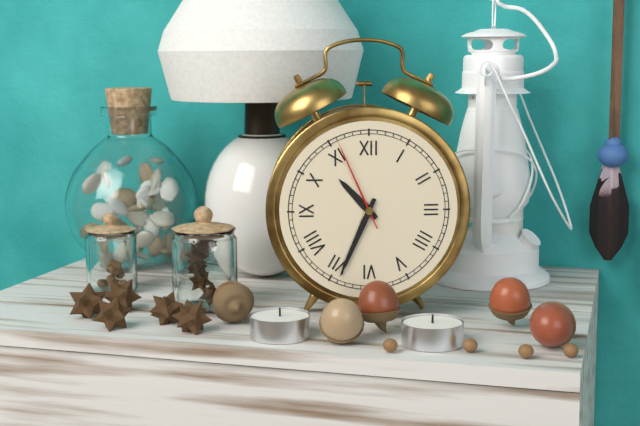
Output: 10.34.56
